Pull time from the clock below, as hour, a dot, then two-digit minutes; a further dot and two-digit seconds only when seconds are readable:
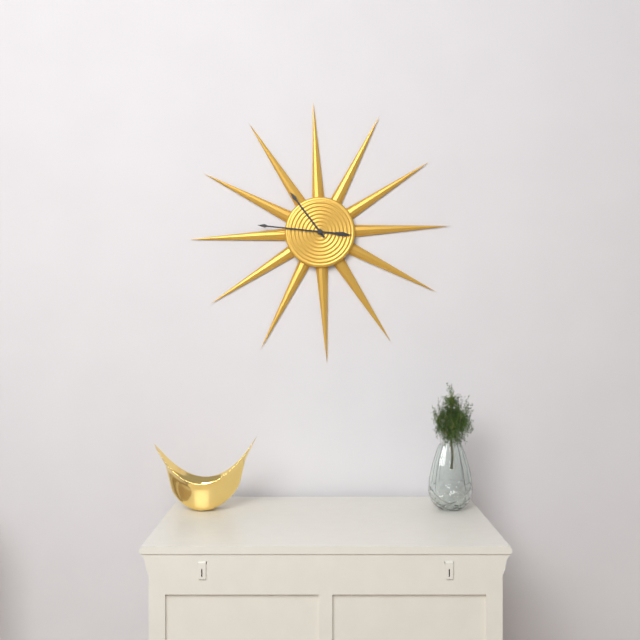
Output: 10.46
